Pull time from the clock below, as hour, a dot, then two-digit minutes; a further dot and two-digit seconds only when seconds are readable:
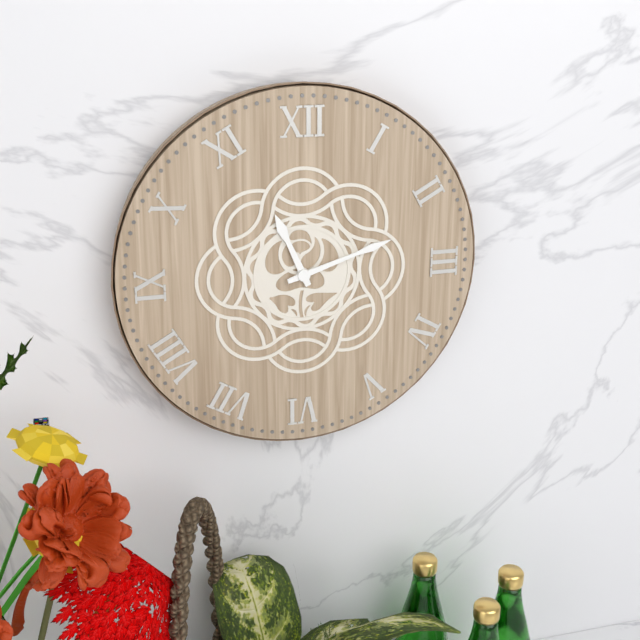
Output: 11.12
